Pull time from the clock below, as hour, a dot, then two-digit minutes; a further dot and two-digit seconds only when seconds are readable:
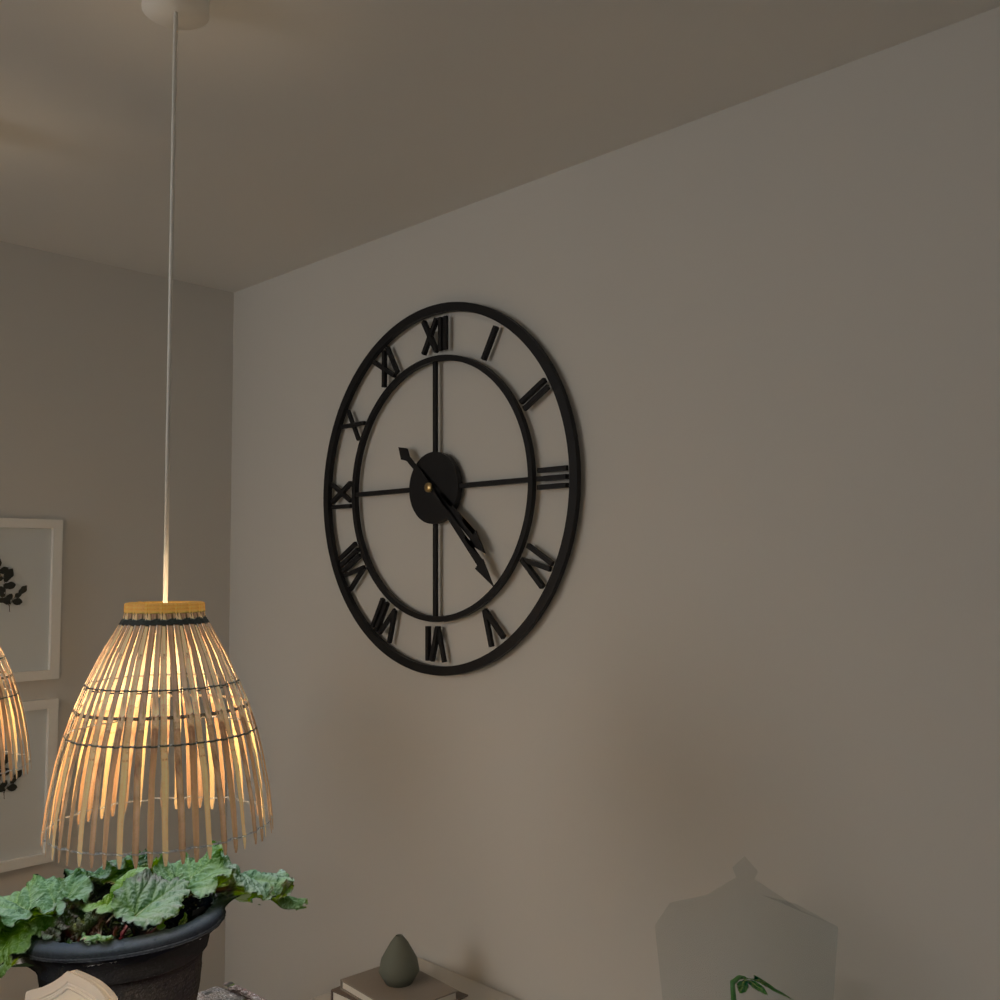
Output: 4.23
